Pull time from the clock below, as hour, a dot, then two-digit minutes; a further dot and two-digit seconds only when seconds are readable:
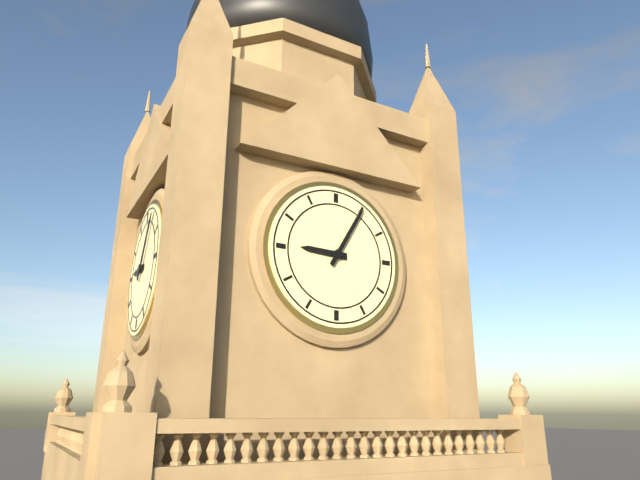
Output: 9.05
